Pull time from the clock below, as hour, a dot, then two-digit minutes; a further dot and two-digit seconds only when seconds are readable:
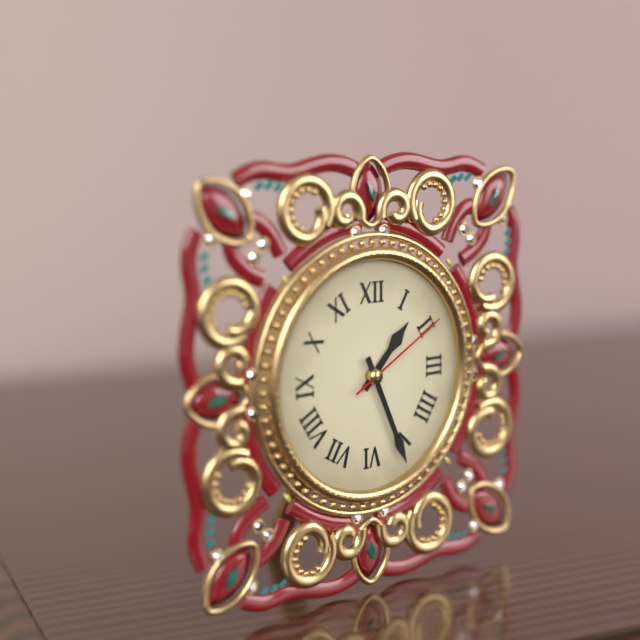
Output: 1.26.10
